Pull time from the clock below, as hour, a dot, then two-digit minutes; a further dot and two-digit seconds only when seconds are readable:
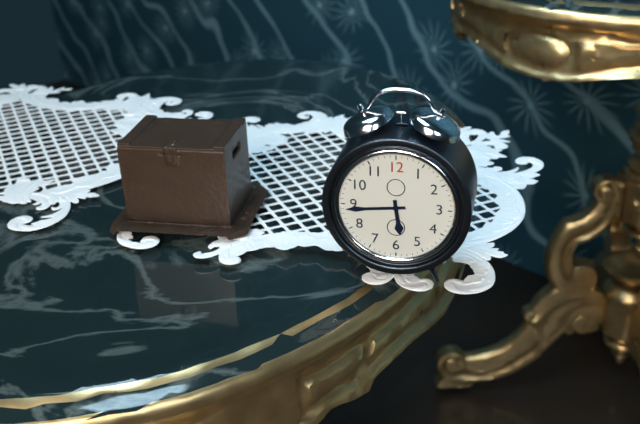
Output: 5.44
